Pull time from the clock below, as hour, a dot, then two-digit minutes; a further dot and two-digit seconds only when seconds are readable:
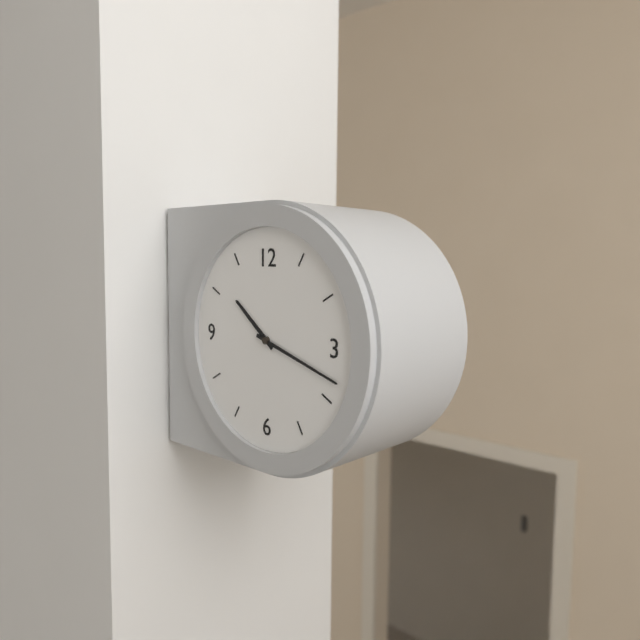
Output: 10.18
